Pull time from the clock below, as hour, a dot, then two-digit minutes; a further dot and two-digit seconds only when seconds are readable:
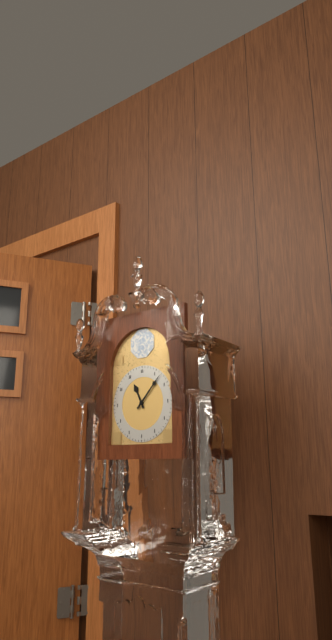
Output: 11.07
